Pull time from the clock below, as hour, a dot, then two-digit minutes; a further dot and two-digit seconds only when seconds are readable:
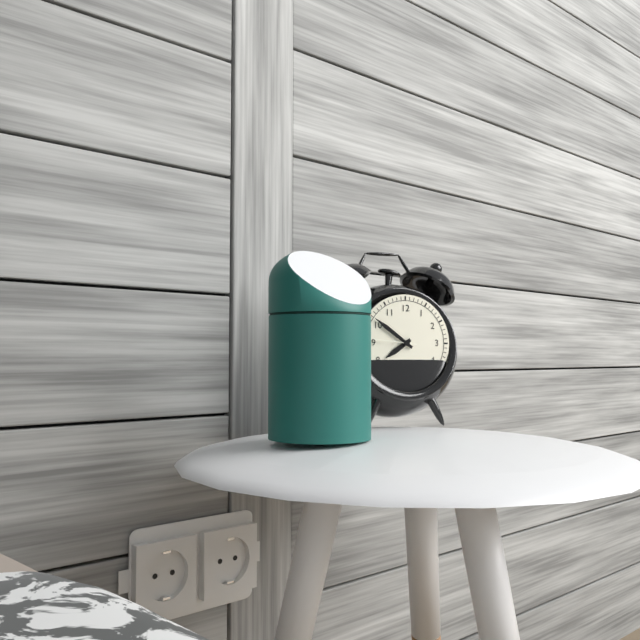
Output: 7.51.46
